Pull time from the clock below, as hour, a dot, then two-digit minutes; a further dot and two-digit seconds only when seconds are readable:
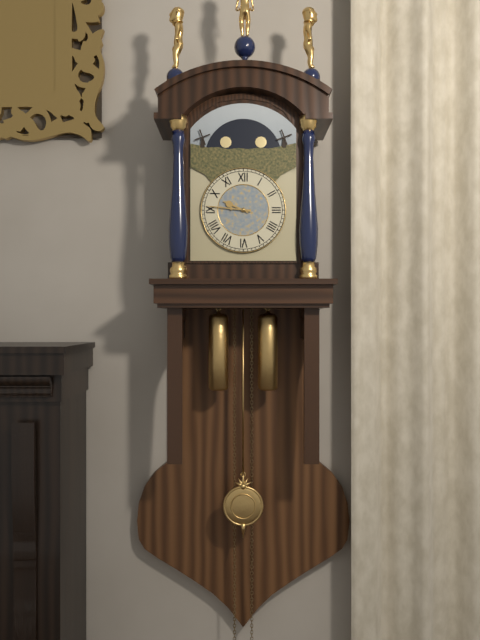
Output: 9.46
